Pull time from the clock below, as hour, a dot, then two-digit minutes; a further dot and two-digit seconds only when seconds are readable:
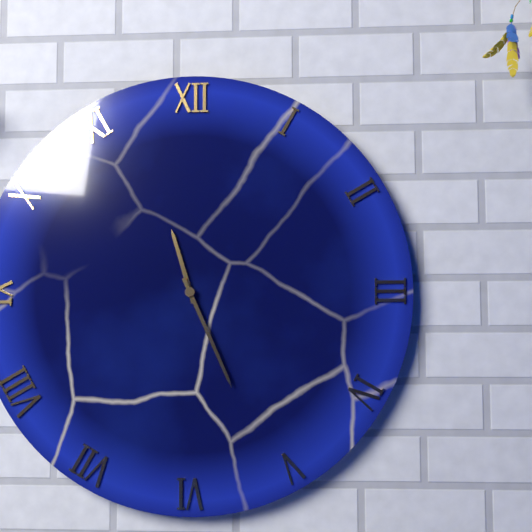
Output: 11.26
